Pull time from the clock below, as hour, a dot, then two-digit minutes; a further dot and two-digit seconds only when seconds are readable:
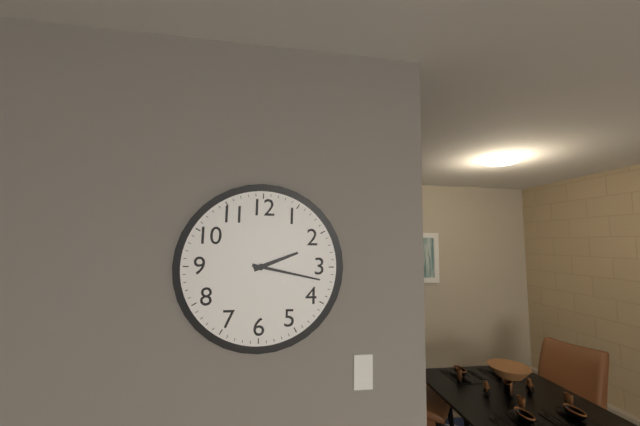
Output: 2.17
